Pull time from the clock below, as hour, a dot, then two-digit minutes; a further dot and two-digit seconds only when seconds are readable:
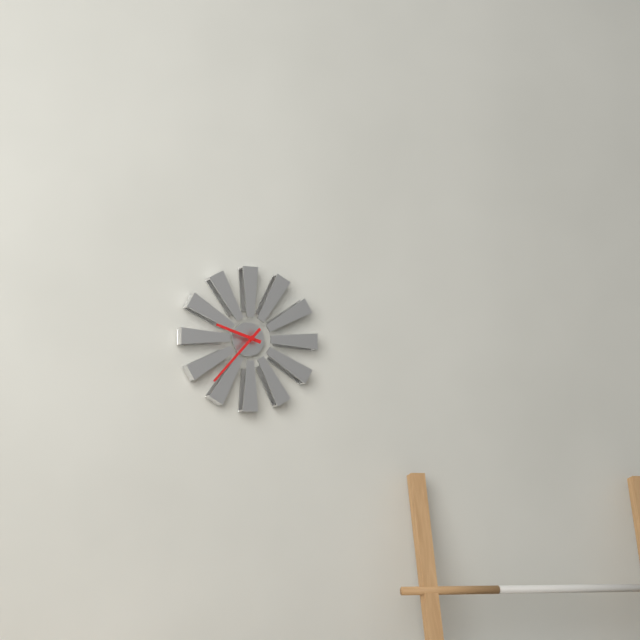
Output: 9.37
